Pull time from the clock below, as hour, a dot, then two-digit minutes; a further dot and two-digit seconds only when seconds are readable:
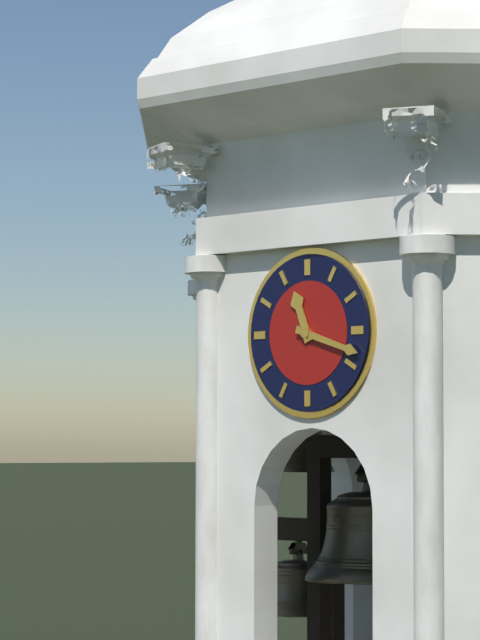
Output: 11.18
